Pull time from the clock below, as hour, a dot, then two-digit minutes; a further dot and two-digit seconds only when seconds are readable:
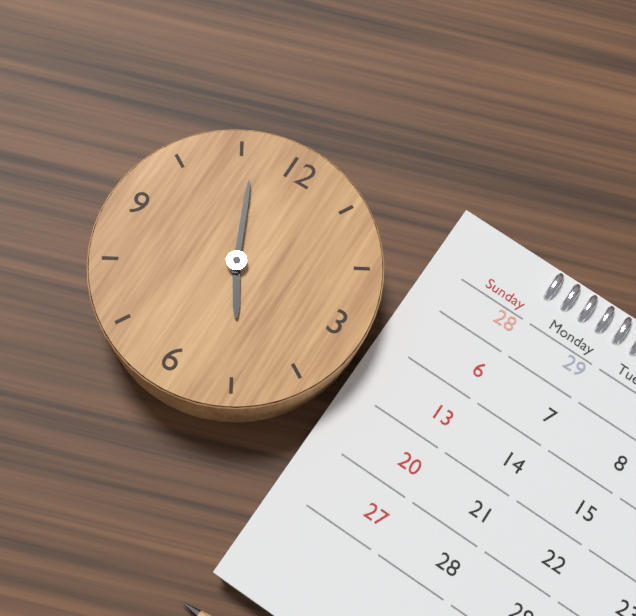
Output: 4.56
